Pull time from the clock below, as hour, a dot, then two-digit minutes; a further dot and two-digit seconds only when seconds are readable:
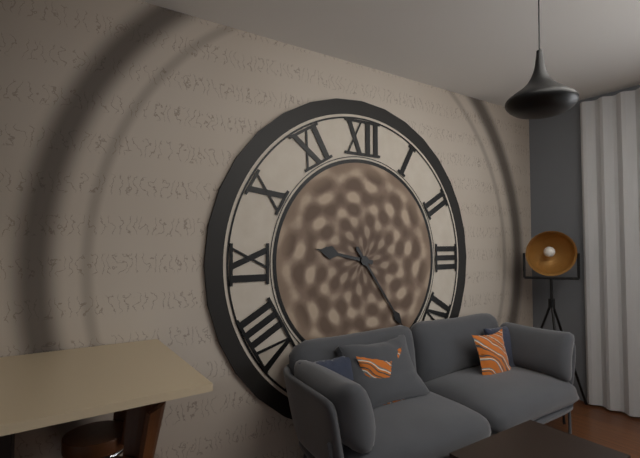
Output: 9.24
